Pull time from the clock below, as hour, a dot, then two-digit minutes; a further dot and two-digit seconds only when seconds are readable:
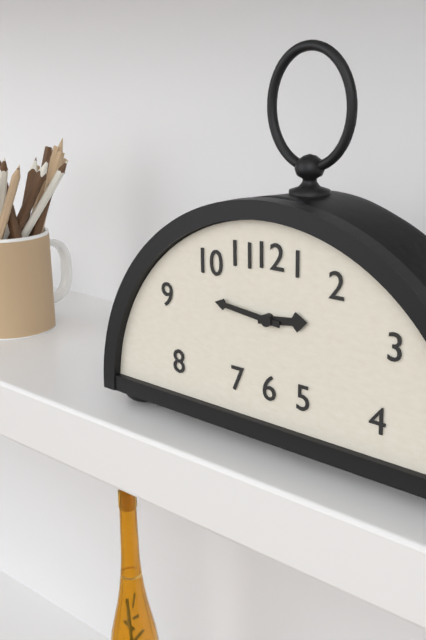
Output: 2.46
